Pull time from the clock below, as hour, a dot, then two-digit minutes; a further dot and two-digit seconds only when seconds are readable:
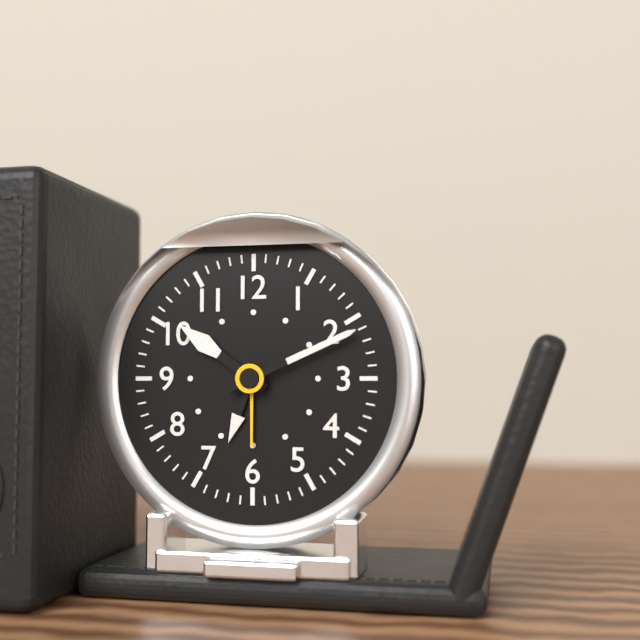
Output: 10.11
